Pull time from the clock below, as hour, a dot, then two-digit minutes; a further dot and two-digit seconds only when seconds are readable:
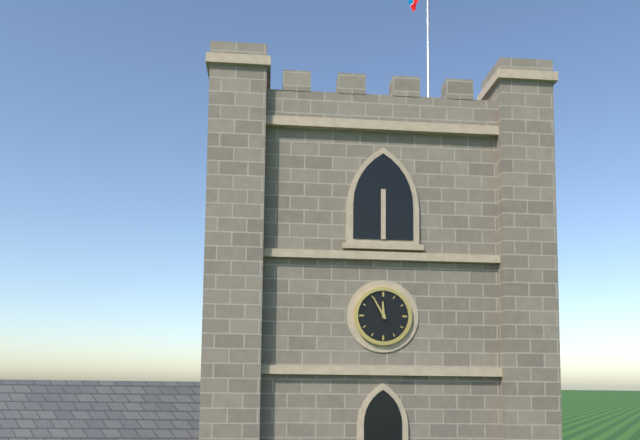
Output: 11.55
